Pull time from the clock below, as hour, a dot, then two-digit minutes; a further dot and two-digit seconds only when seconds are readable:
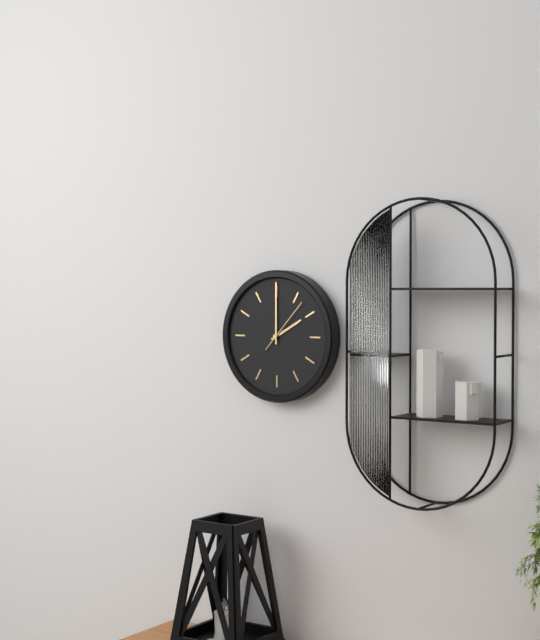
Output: 2.00.07
